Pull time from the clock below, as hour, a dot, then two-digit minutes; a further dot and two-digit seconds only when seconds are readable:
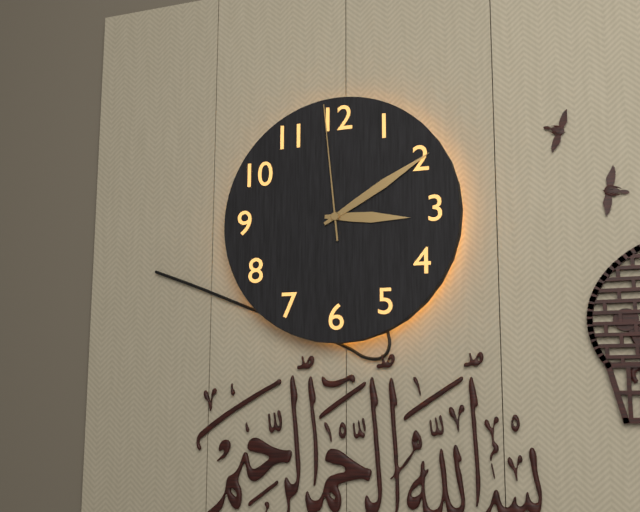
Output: 3.10.59
